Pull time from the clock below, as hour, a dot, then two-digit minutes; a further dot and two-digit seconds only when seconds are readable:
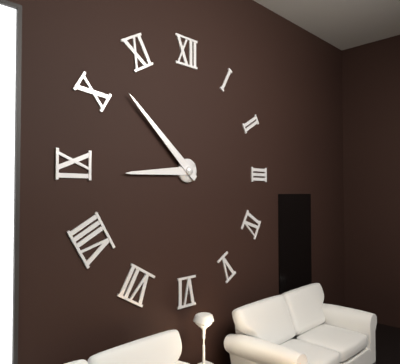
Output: 8.52
